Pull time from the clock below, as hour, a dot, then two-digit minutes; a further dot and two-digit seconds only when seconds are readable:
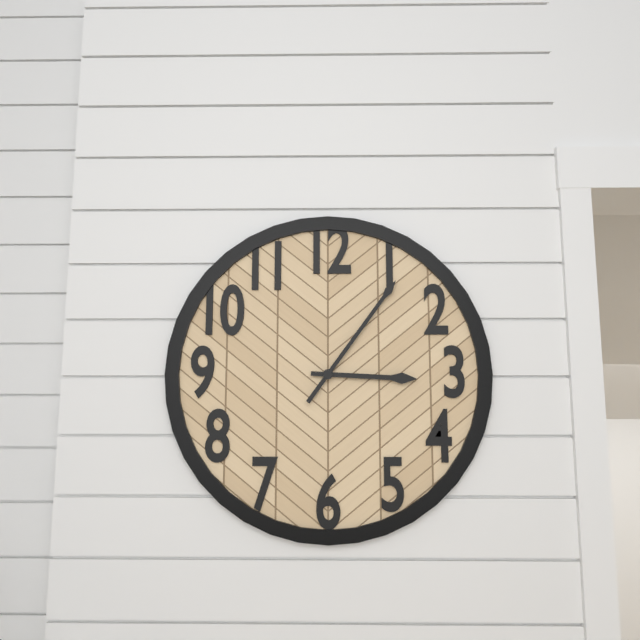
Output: 3.06
